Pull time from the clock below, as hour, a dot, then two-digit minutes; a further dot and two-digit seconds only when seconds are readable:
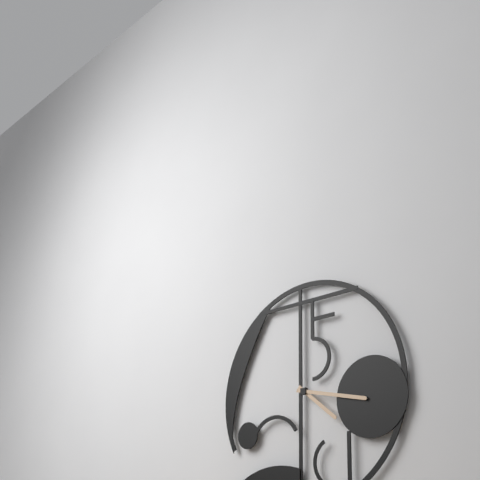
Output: 4.17
